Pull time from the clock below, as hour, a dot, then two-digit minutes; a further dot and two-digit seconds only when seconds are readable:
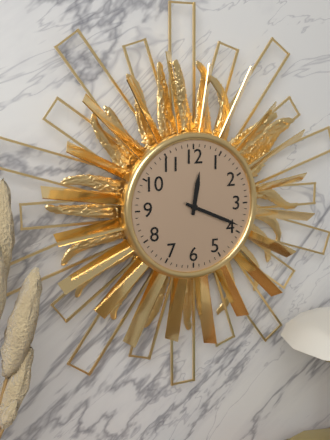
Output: 12.19
